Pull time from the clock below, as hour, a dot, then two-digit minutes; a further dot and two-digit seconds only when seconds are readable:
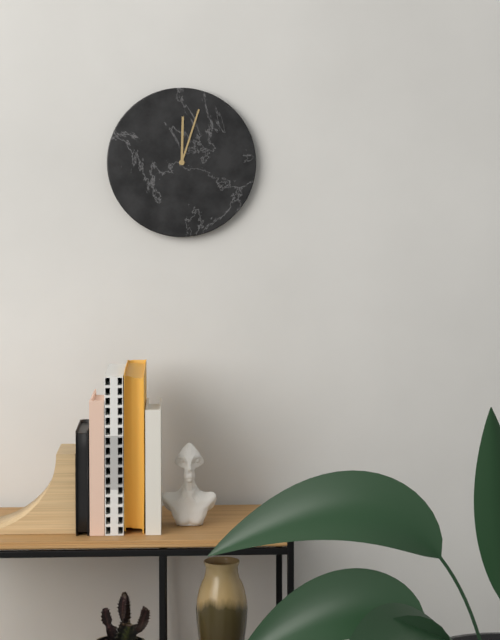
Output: 12.03
